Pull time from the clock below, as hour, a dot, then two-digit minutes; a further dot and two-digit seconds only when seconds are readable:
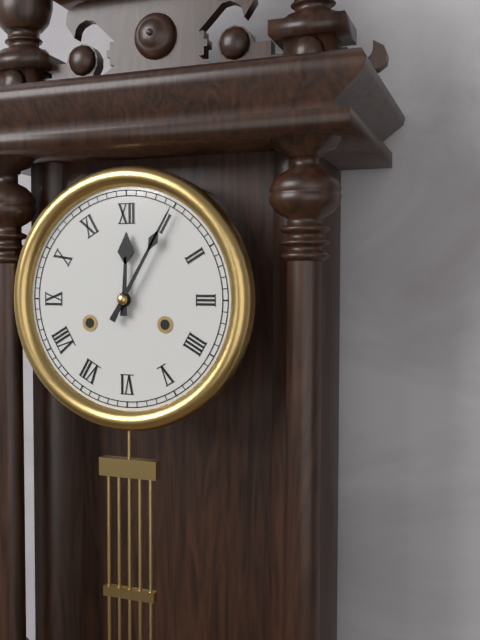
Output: 12.05
